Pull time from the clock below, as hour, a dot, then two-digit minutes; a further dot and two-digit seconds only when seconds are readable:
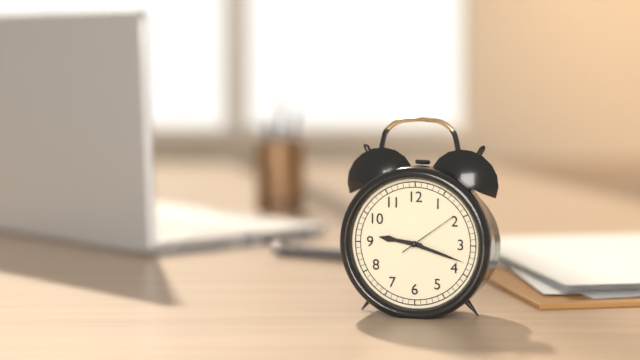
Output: 9.18.09
